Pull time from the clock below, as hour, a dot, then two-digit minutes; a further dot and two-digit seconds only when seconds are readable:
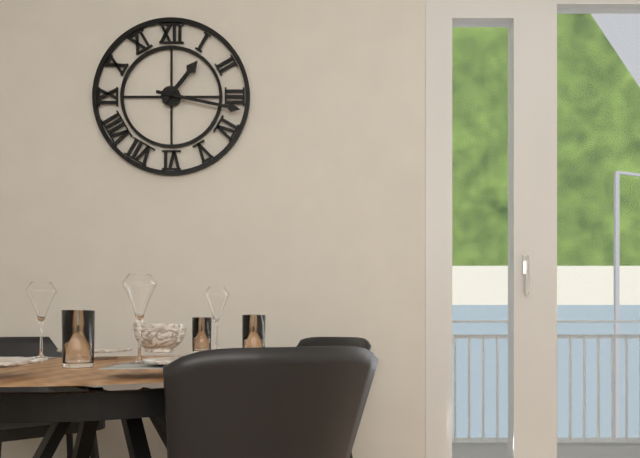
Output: 1.17
